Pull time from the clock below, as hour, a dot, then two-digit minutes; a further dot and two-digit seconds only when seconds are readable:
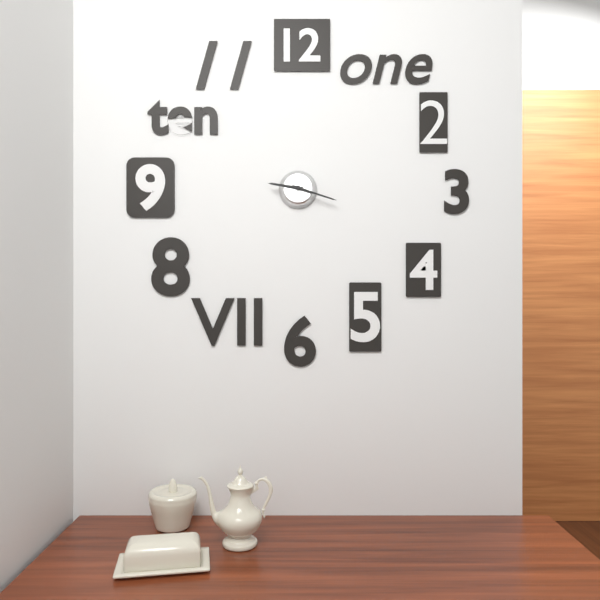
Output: 9.18
